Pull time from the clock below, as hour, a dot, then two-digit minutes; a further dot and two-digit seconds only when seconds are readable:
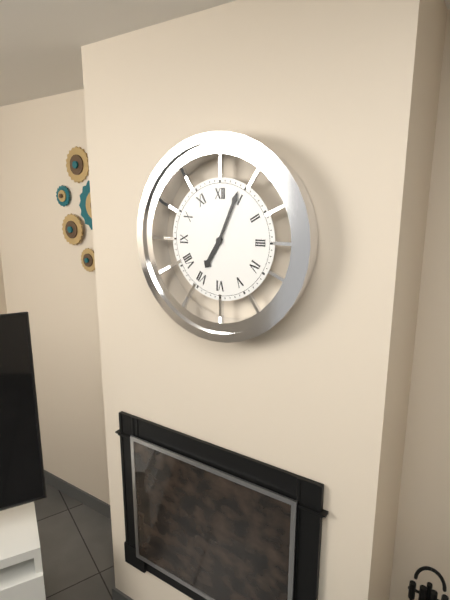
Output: 7.04
